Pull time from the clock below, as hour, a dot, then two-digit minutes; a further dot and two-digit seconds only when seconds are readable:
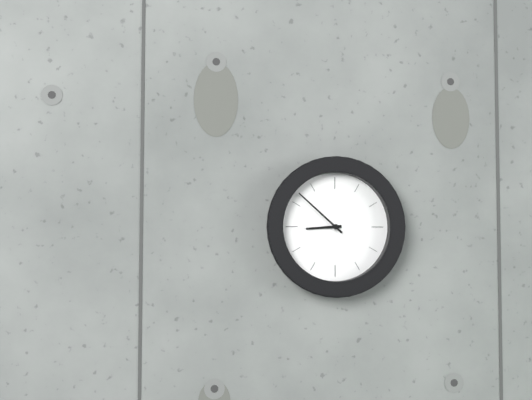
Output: 8.52
